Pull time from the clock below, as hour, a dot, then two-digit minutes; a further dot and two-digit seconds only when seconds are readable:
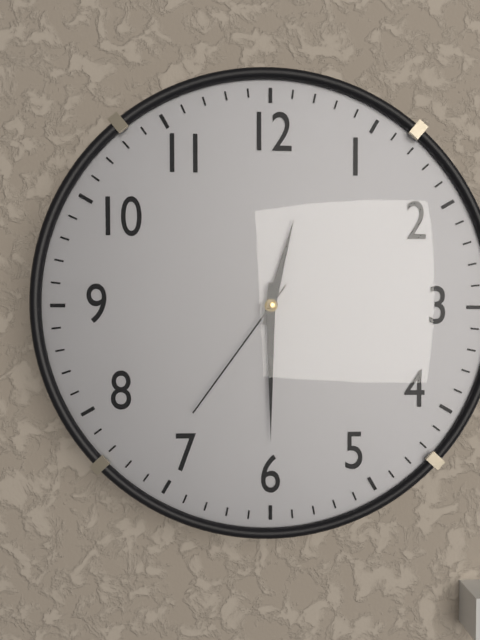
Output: 12.30.36
